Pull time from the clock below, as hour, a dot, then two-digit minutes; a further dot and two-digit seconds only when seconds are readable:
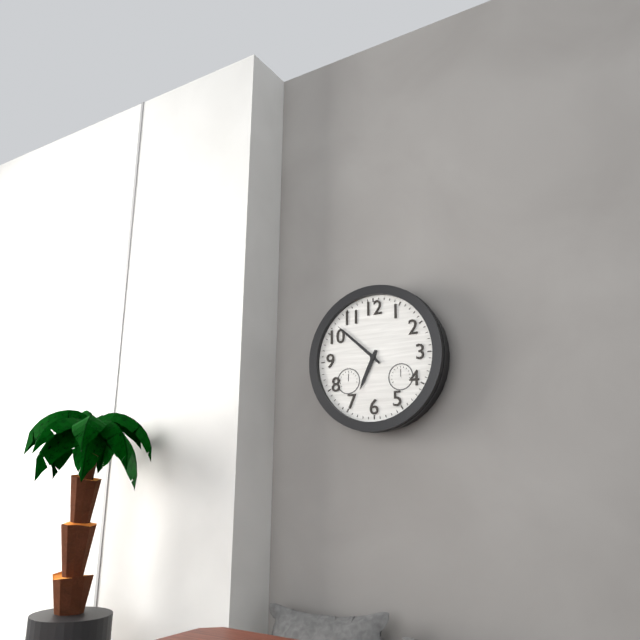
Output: 6.52
